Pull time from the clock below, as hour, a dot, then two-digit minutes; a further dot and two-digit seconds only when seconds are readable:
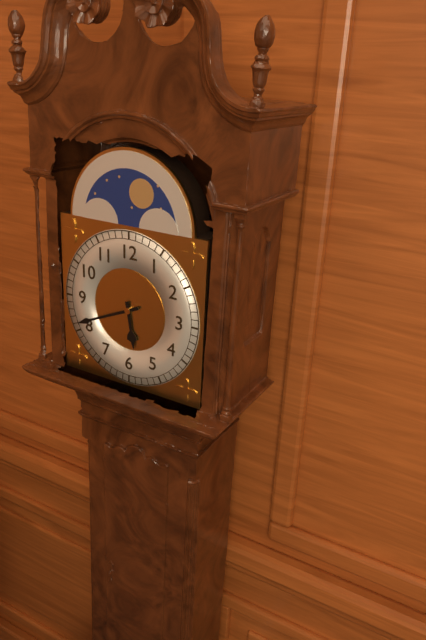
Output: 5.41
